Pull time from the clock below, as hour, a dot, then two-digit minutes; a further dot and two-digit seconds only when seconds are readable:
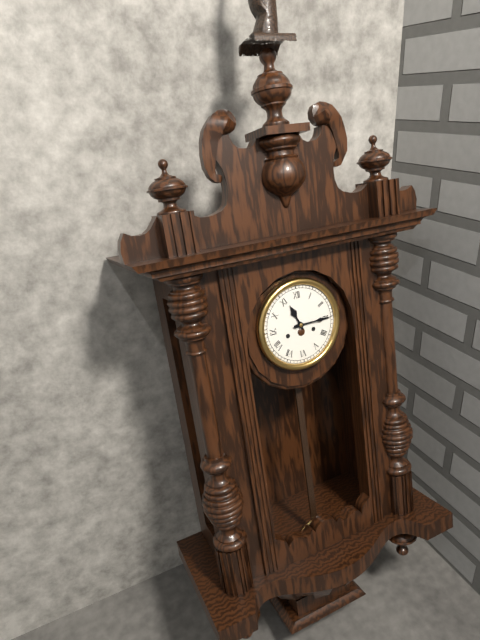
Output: 11.15
